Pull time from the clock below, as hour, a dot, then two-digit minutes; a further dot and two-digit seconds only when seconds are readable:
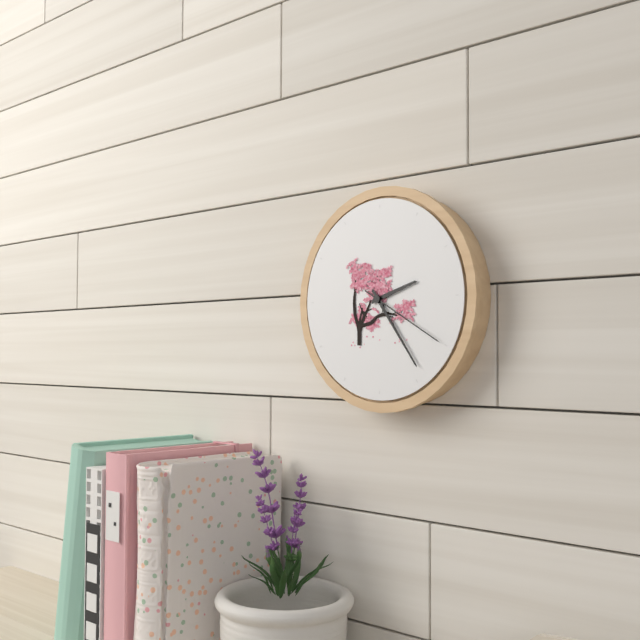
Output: 2.24.20
